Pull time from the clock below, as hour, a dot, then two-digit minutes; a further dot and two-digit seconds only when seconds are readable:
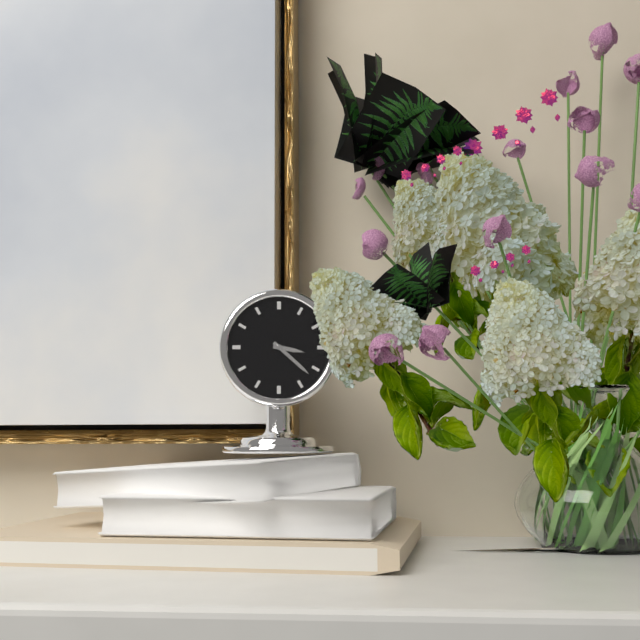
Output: 3.22
